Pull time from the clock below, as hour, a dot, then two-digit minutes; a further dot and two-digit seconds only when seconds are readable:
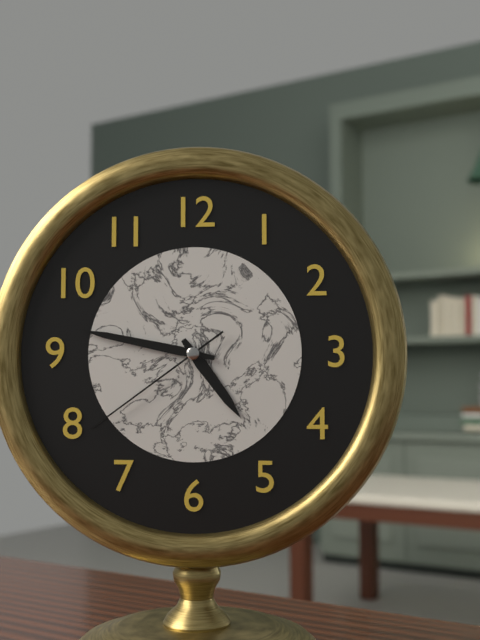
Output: 4.47.39
